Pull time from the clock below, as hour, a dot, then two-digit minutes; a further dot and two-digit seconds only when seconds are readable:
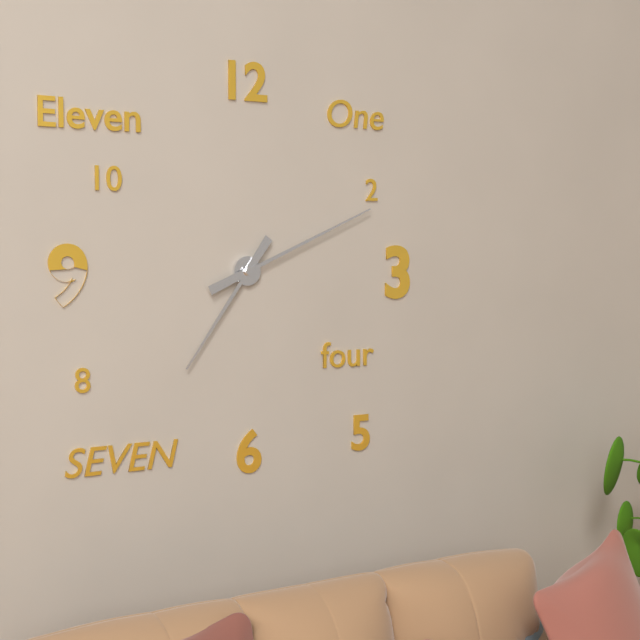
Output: 7.11
